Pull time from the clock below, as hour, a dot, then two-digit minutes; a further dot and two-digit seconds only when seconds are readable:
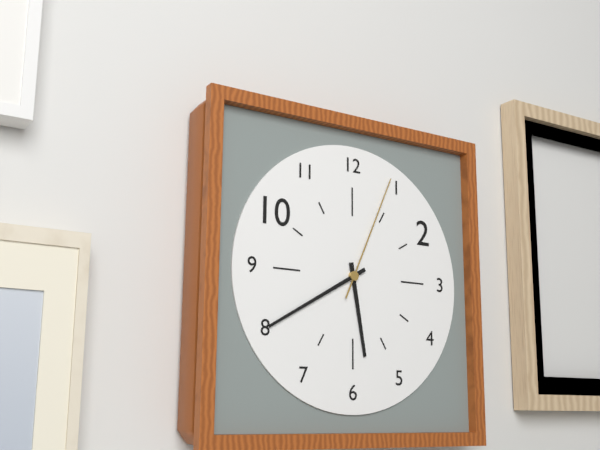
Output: 5.40.04
